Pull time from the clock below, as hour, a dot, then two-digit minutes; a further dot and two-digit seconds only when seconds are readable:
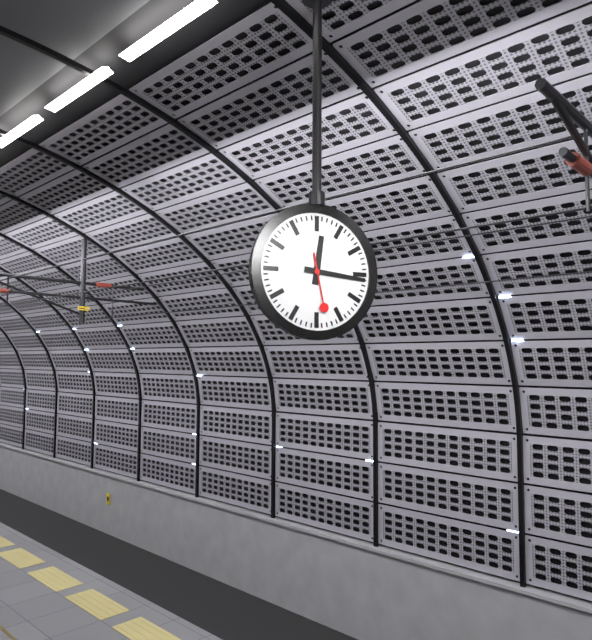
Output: 12.16.28
